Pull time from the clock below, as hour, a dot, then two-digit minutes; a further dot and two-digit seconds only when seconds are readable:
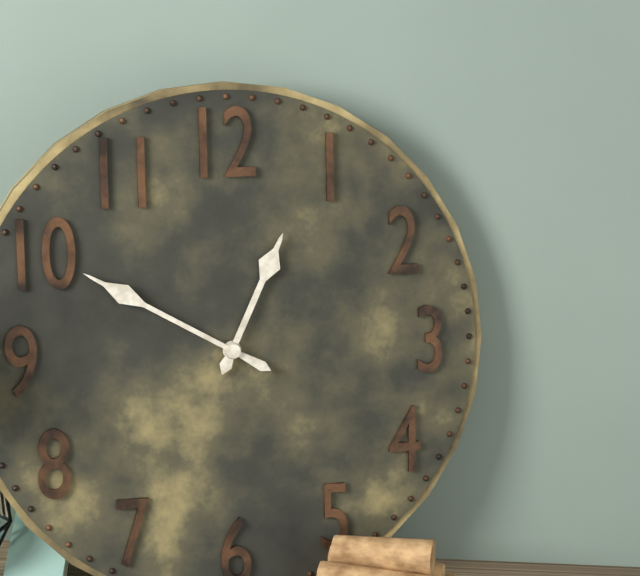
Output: 12.50
